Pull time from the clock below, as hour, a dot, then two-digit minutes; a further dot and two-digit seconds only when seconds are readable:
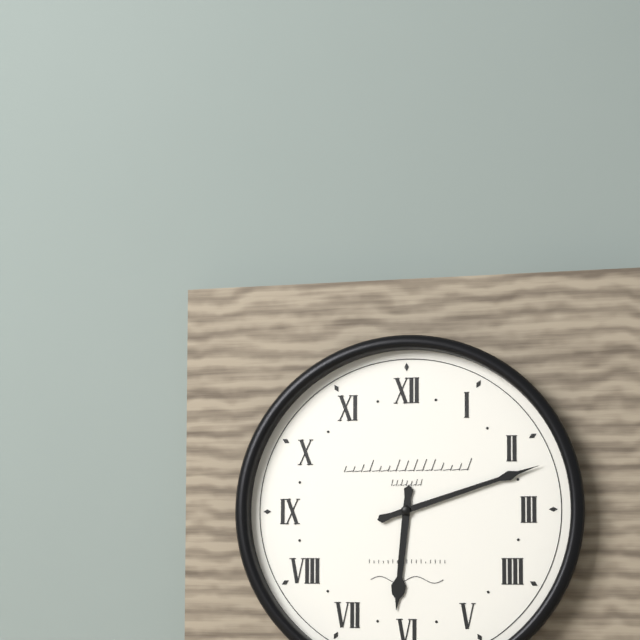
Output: 6.12
